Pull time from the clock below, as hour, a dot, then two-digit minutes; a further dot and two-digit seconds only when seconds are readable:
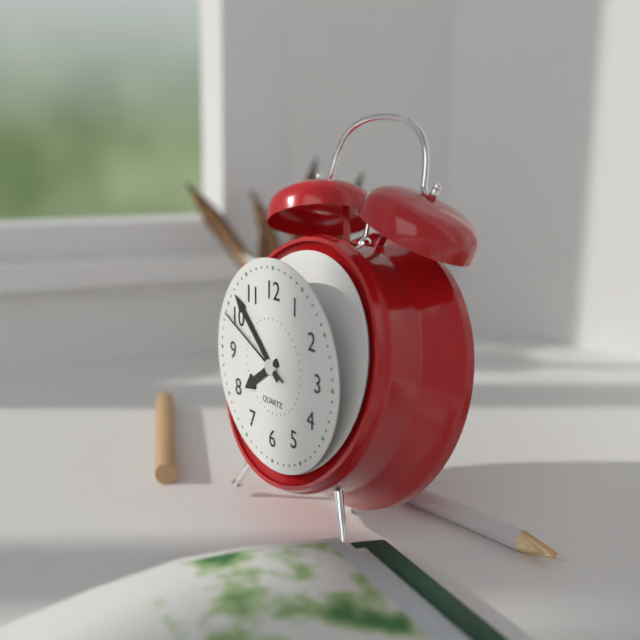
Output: 7.52.49
